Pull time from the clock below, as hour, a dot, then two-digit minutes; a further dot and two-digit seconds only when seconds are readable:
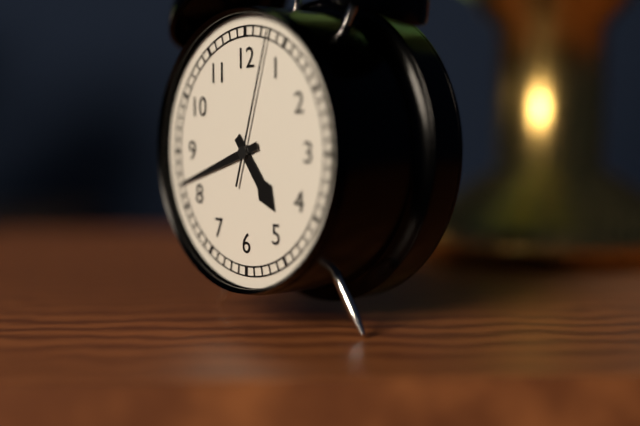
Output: 4.42.03
